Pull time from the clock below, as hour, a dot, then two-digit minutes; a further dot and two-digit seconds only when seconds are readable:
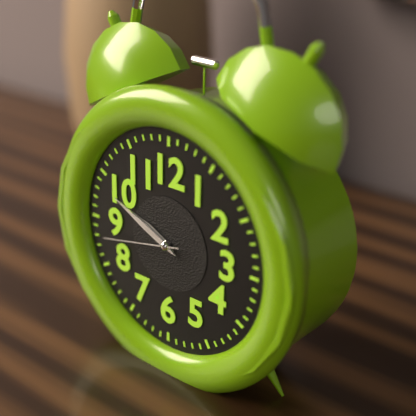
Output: 9.49.43
